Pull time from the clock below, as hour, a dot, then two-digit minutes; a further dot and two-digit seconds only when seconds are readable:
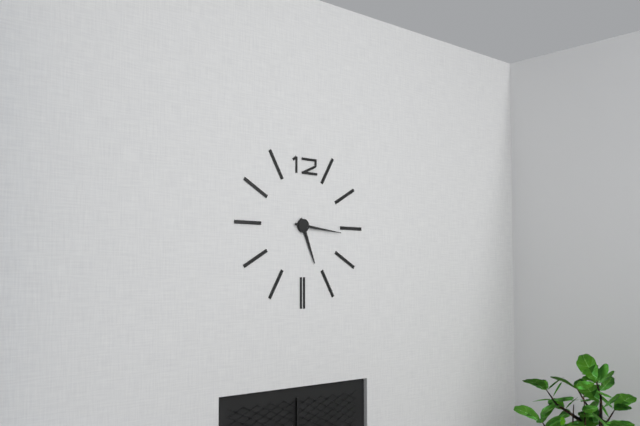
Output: 5.16
